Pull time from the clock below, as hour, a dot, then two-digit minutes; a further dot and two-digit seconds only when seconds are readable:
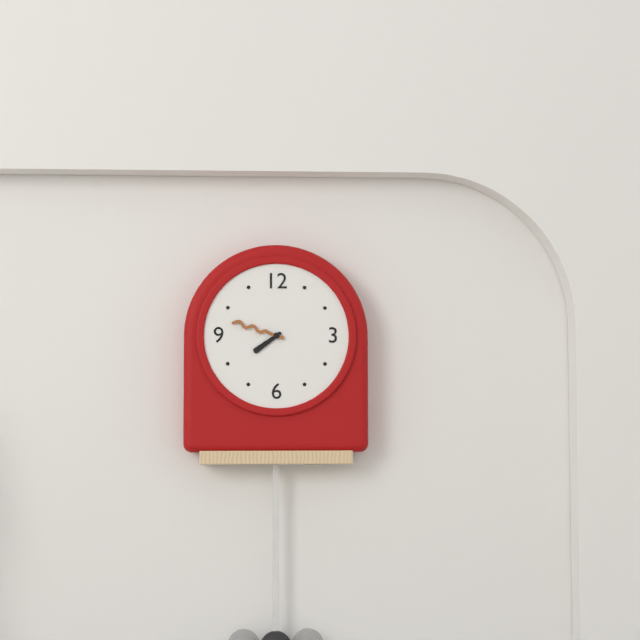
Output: 7.48
